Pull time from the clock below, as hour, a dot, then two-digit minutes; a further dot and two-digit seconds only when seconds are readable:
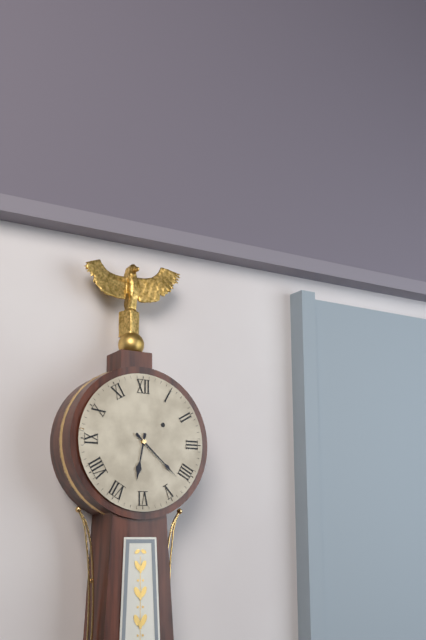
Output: 6.22
